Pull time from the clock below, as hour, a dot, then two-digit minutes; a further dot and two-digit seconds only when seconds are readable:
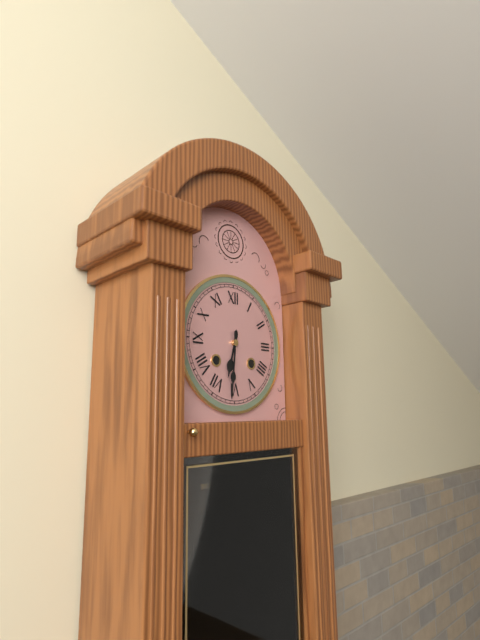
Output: 6.31
